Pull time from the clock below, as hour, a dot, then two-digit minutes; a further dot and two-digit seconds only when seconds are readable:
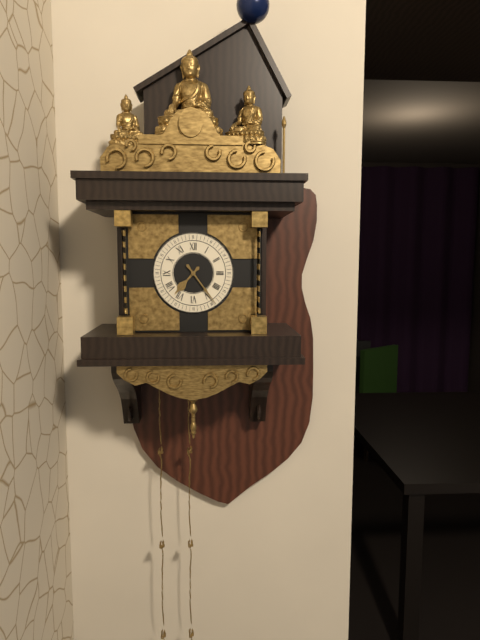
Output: 7.24
